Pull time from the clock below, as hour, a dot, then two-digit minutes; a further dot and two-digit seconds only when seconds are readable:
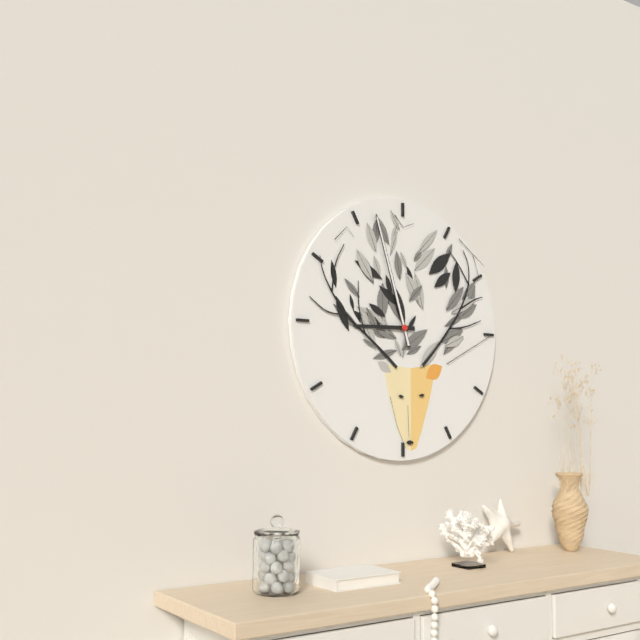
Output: 8.57
